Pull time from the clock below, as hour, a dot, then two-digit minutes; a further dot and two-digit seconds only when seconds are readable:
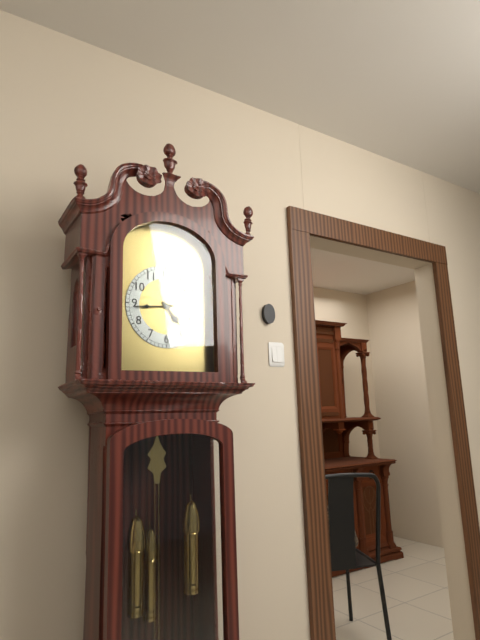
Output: 4.44
